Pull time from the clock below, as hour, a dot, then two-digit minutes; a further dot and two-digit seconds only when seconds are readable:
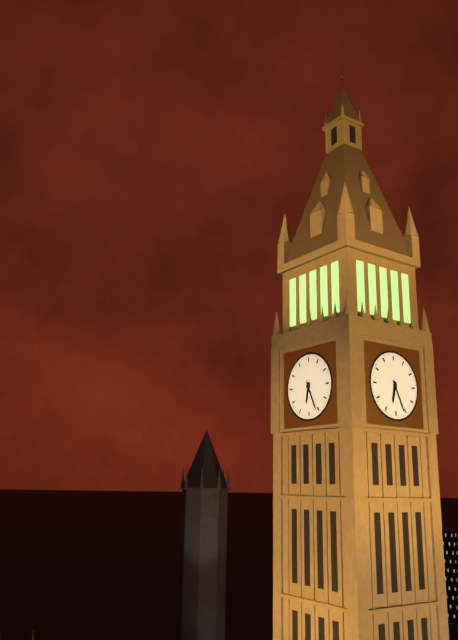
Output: 6.26
